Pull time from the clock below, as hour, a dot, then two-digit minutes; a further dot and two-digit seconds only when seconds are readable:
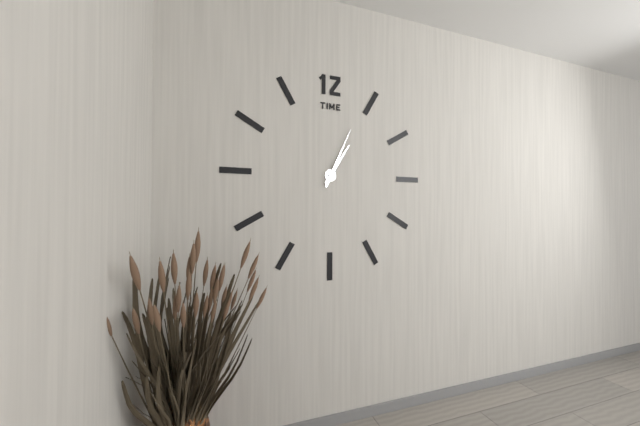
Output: 1.04
